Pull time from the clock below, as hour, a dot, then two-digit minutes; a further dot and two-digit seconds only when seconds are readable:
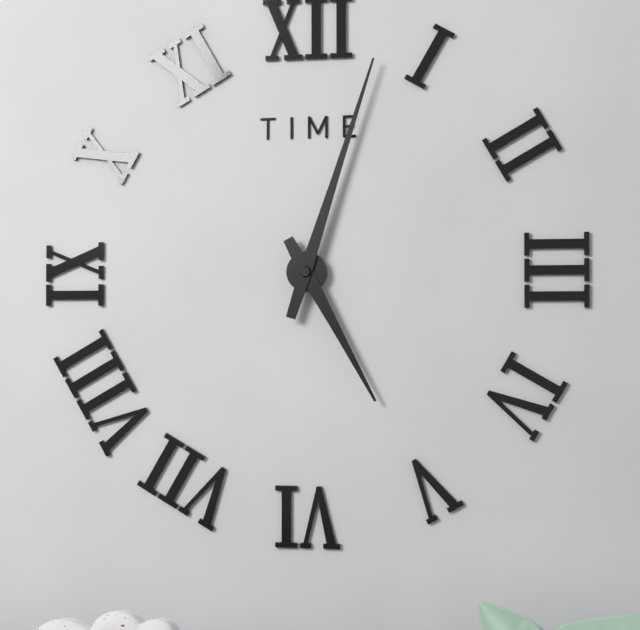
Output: 5.03
